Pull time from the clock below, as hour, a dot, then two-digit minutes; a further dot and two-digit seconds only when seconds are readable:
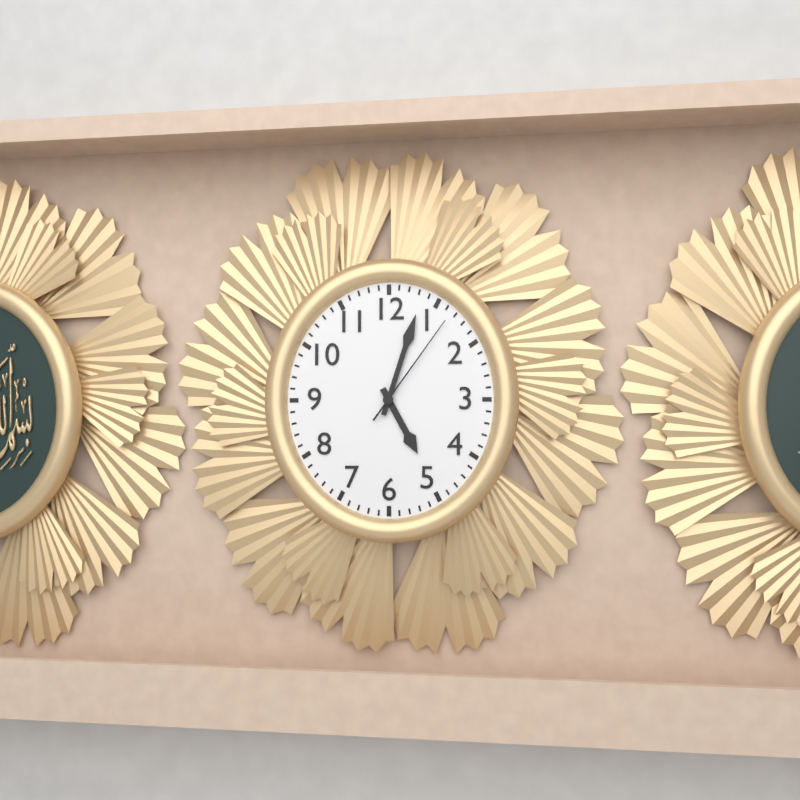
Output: 5.03.06
